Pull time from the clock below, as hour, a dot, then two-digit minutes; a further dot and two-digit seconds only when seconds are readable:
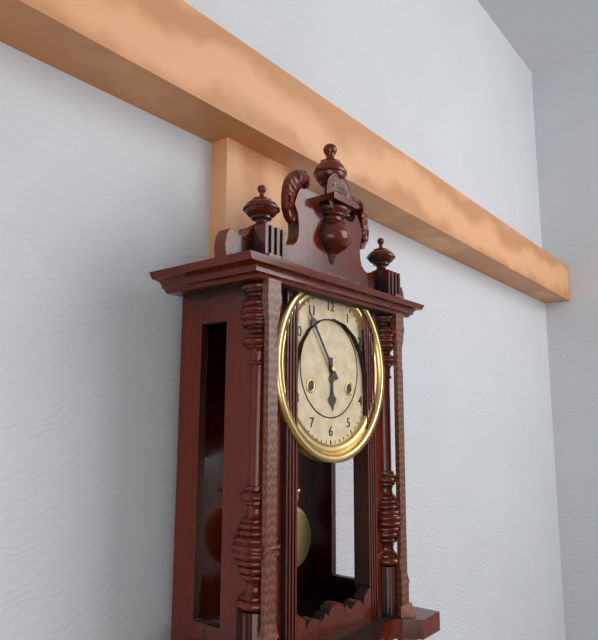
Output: 5.54
